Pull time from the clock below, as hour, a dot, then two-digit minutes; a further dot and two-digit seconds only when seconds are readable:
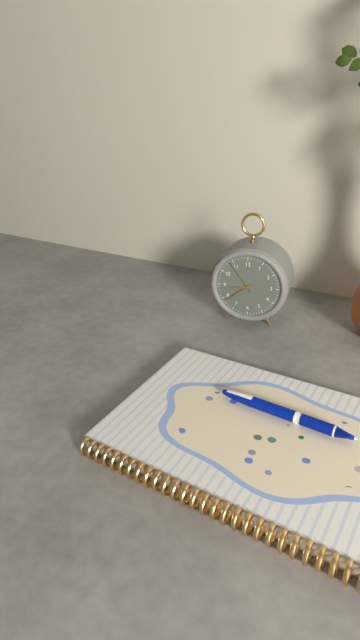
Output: 8.39
